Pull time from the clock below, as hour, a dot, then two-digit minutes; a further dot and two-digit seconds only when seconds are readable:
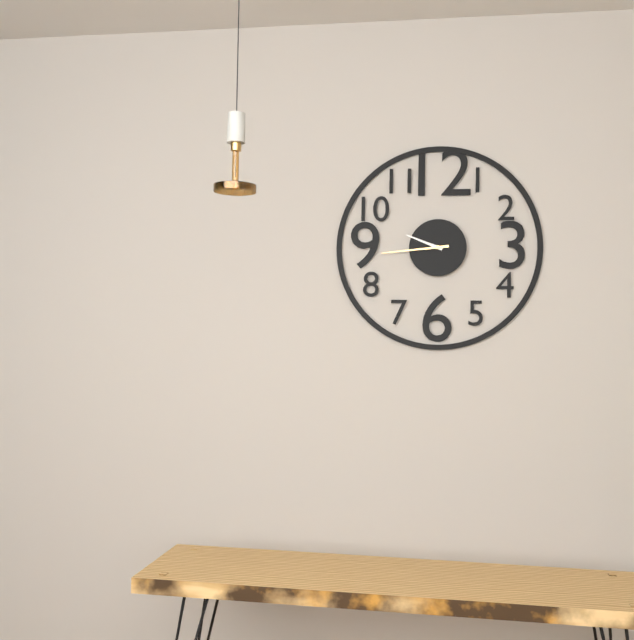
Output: 9.44
